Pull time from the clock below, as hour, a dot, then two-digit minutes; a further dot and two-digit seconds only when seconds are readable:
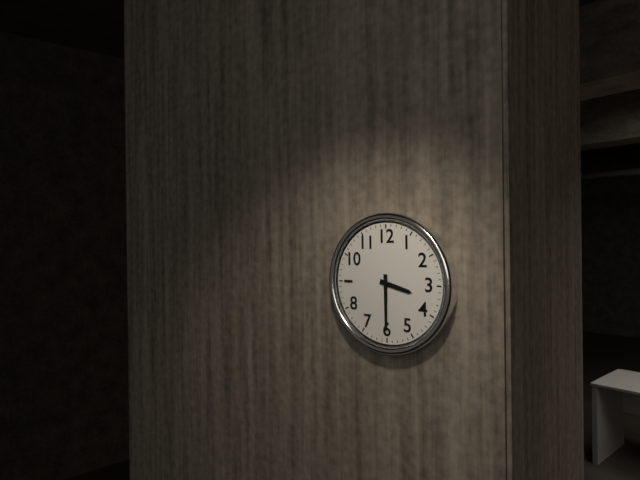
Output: 3.30
